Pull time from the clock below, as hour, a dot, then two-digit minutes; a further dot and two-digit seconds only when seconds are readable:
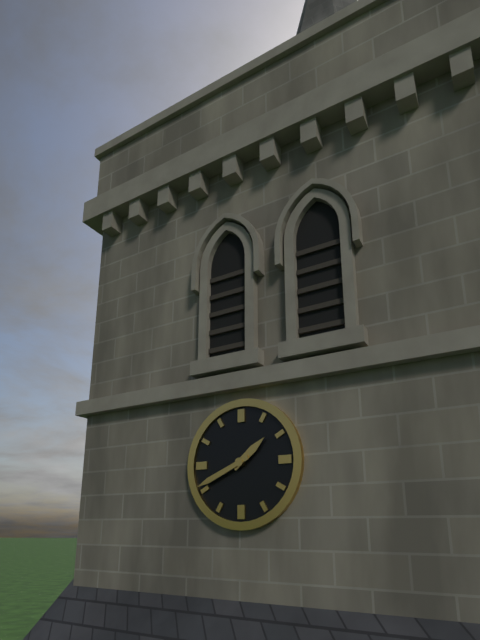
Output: 1.41
